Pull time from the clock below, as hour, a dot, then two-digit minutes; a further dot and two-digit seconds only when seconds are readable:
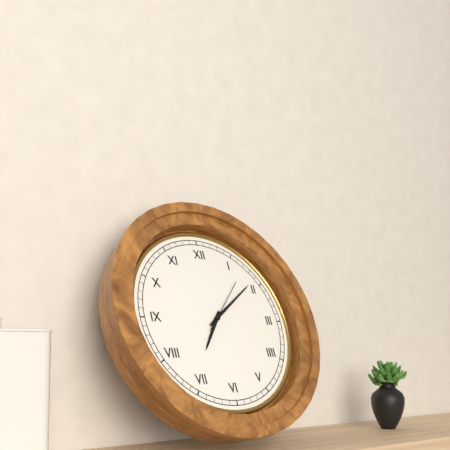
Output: 7.09.07
